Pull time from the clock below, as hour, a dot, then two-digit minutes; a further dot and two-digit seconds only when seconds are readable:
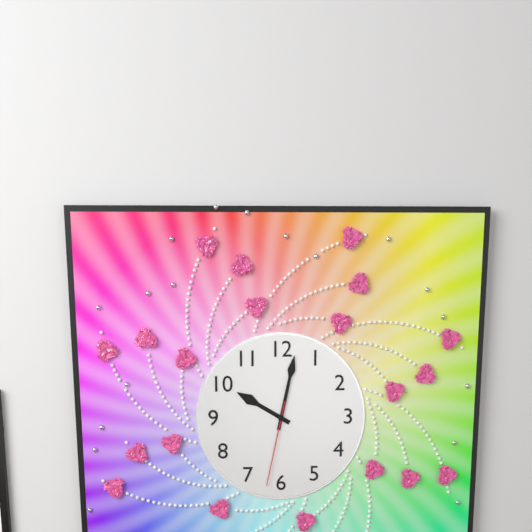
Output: 10.02.32
